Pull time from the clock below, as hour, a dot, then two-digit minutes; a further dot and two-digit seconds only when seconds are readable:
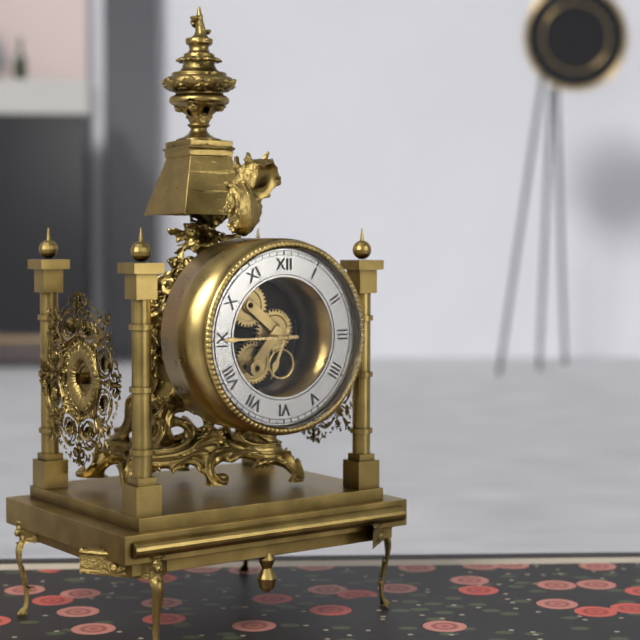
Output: 6.45
